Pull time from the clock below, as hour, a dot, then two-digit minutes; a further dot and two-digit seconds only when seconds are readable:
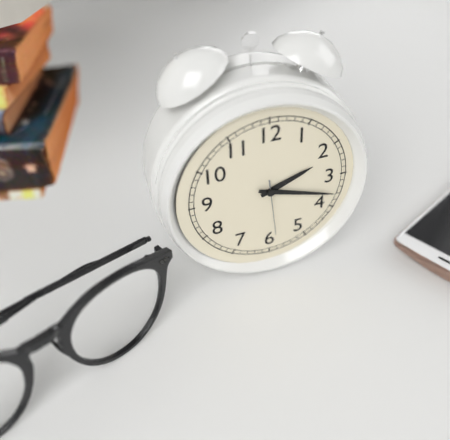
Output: 2.18.29
